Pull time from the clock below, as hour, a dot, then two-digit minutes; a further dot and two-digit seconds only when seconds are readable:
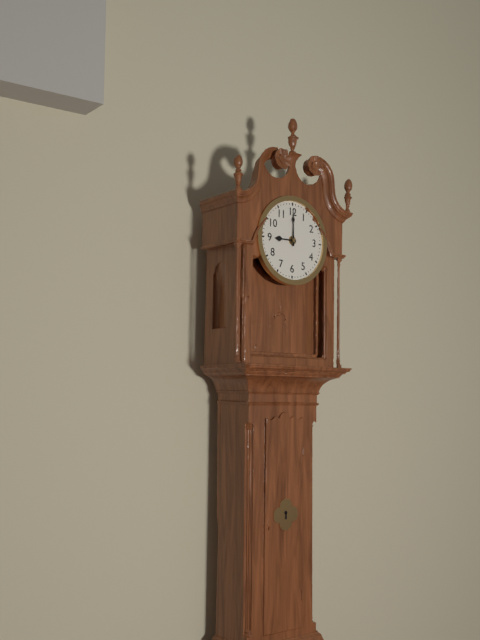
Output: 9.00
